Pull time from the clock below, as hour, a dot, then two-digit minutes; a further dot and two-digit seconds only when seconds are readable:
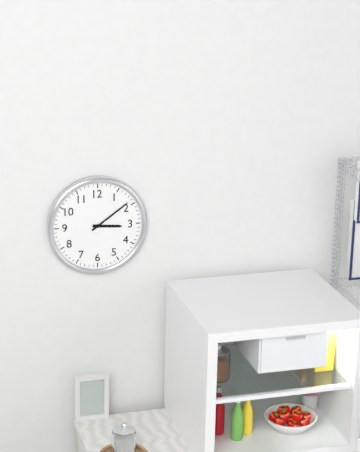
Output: 3.09
